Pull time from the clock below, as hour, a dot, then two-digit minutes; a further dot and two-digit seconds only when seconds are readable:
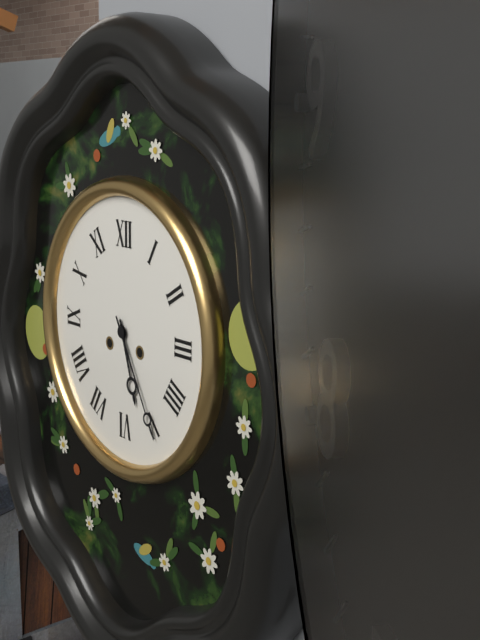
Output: 5.25
